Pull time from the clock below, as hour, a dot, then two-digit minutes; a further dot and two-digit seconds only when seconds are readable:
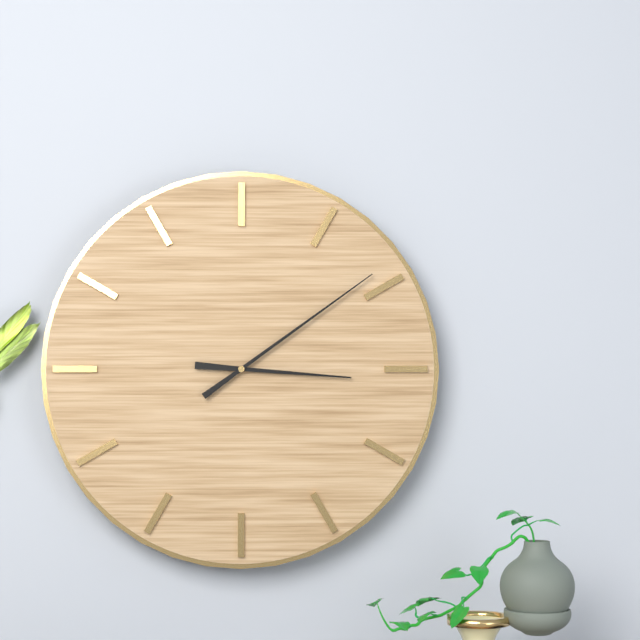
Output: 3.09
